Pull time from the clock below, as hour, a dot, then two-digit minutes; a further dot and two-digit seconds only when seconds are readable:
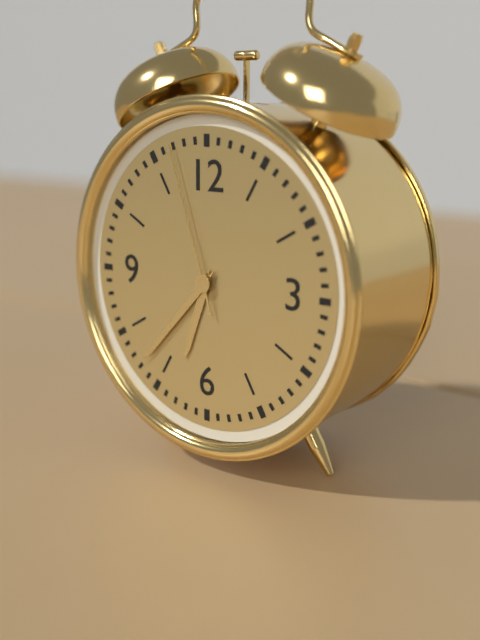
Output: 6.37.57
